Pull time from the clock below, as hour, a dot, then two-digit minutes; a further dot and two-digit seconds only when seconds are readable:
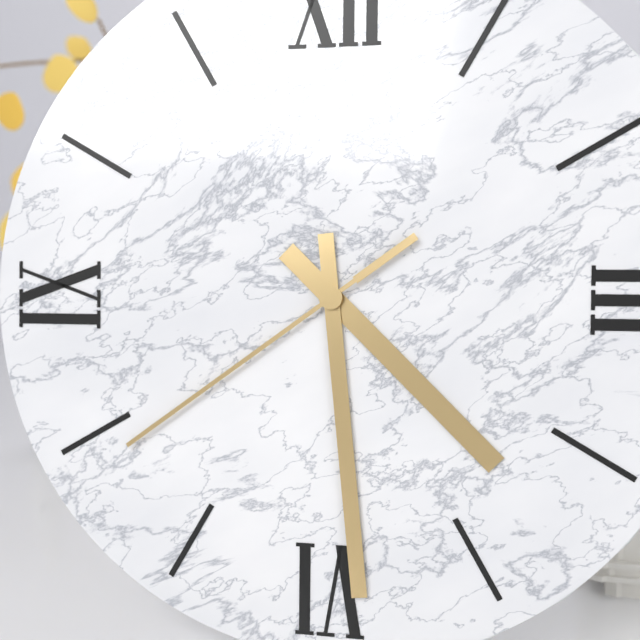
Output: 4.29.39
